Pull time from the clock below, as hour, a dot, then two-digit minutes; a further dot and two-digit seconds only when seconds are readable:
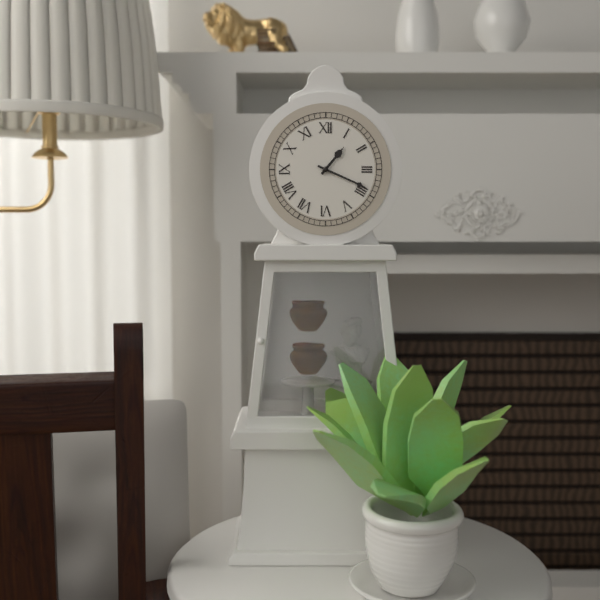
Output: 1.19
